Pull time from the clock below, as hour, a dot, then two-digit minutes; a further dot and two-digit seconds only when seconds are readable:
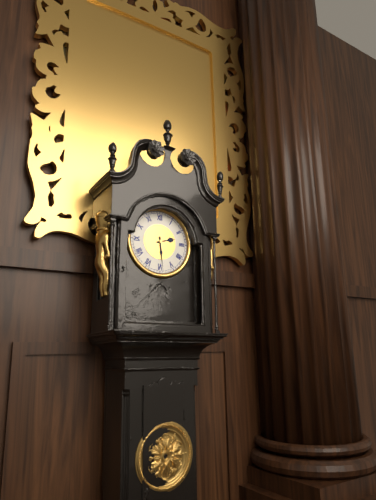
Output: 2.29
